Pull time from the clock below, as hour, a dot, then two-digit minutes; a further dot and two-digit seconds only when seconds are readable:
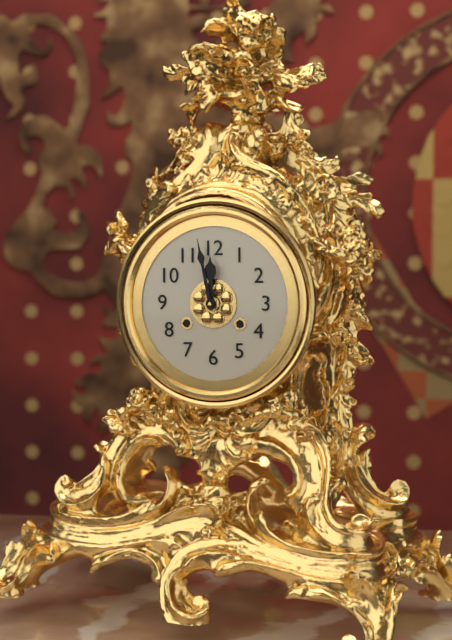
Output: 11.58
